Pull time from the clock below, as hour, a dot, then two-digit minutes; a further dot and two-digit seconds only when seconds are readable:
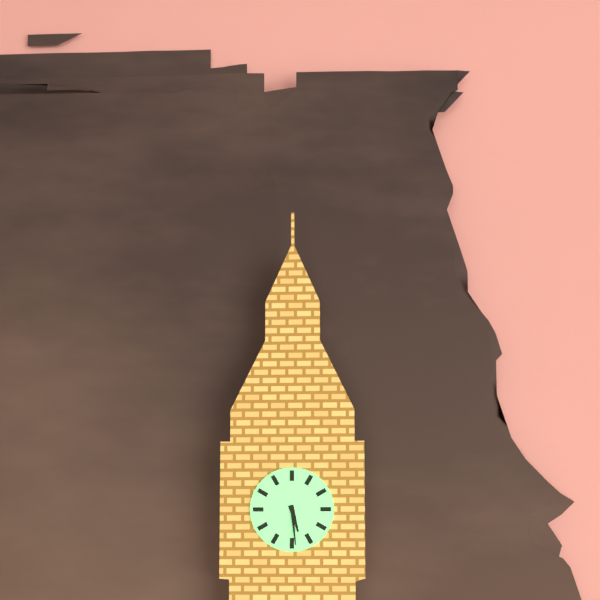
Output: 5.29
